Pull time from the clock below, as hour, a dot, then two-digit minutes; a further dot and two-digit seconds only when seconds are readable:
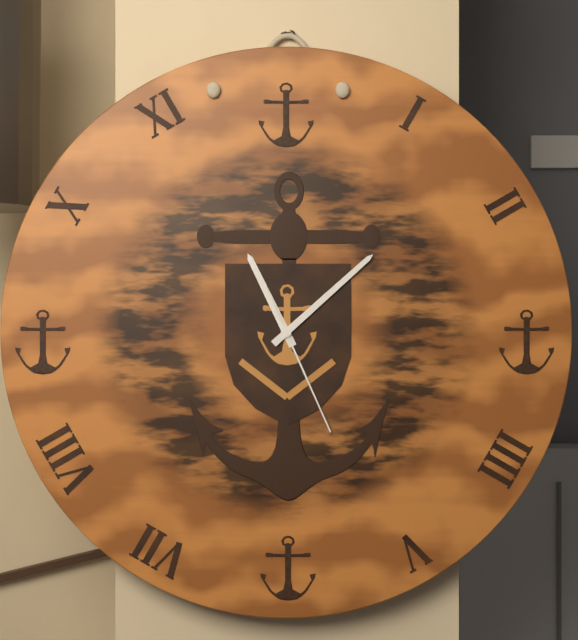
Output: 11.08.26
